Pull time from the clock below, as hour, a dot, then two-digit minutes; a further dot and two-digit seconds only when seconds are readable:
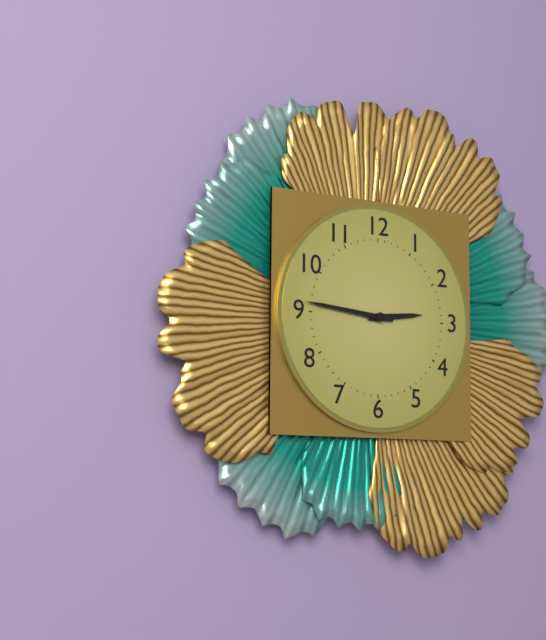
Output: 2.46
